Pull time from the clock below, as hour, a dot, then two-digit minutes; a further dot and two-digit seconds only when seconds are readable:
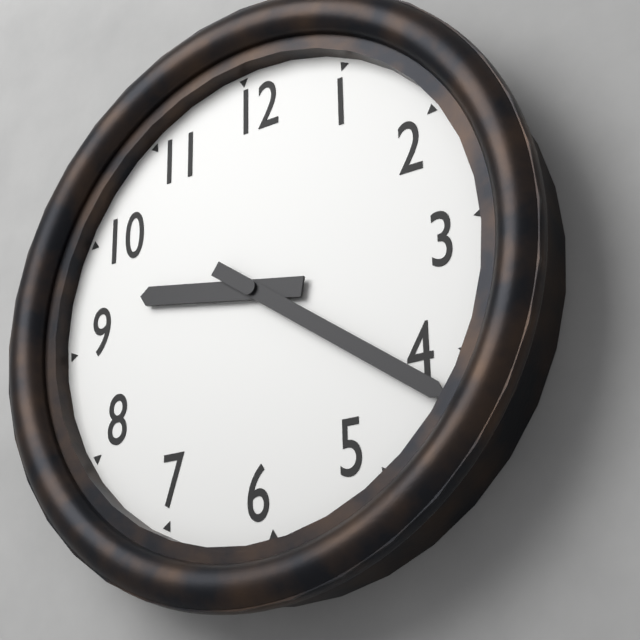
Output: 9.21
